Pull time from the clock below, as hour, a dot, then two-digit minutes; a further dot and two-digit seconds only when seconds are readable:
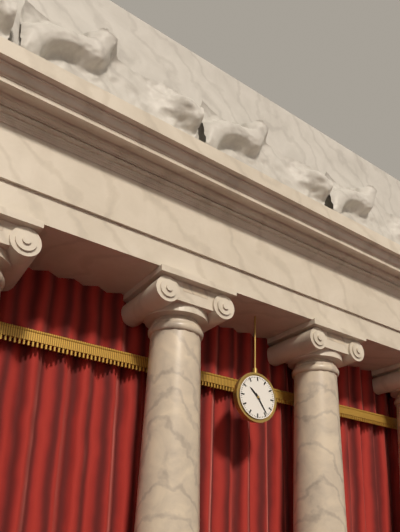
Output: 10.24
